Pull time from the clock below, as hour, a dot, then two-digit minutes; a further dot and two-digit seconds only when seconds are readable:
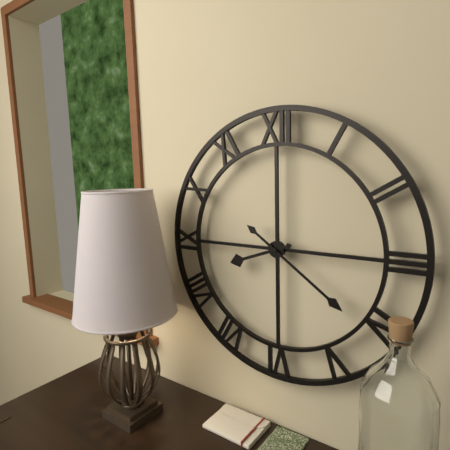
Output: 8.21
